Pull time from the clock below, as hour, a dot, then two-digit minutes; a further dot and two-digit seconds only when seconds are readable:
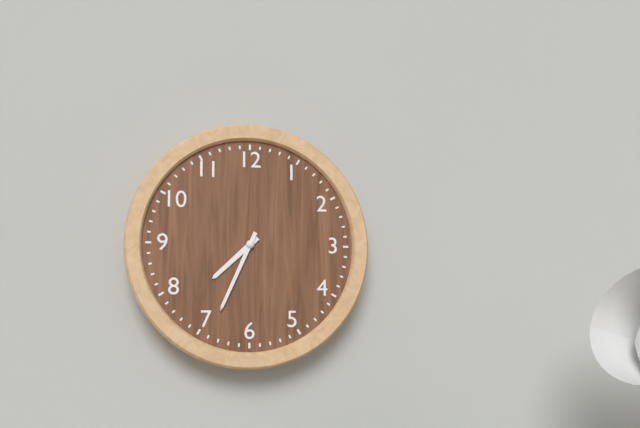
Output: 7.34
